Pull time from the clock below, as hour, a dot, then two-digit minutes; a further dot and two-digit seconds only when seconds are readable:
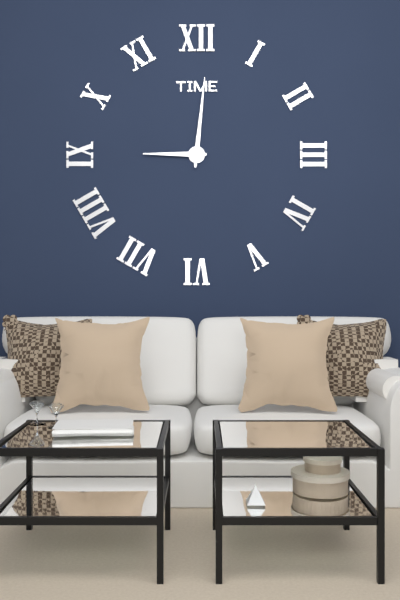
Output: 9.01
